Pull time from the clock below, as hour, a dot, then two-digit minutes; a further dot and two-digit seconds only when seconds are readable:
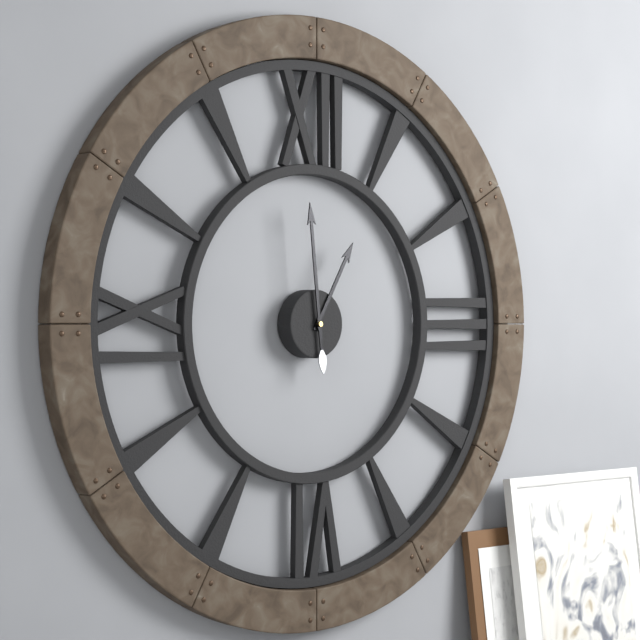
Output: 12.59
